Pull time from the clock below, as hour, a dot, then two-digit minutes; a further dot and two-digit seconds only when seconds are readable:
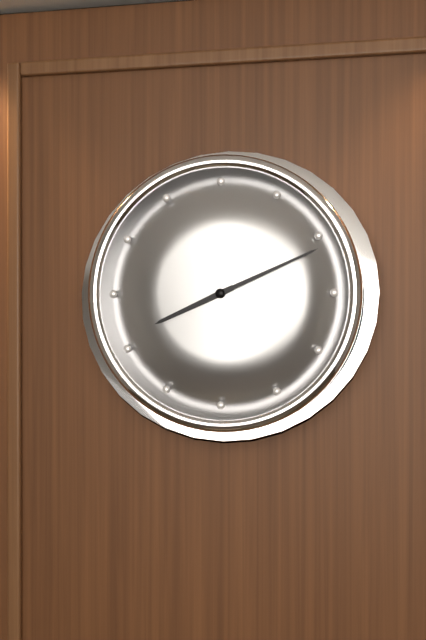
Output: 8.11
